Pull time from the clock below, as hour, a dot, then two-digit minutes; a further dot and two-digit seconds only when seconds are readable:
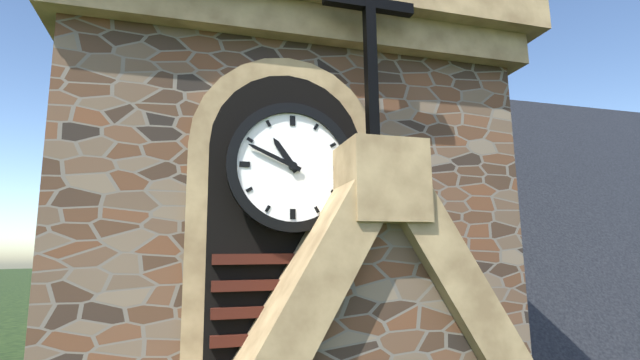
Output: 10.49
